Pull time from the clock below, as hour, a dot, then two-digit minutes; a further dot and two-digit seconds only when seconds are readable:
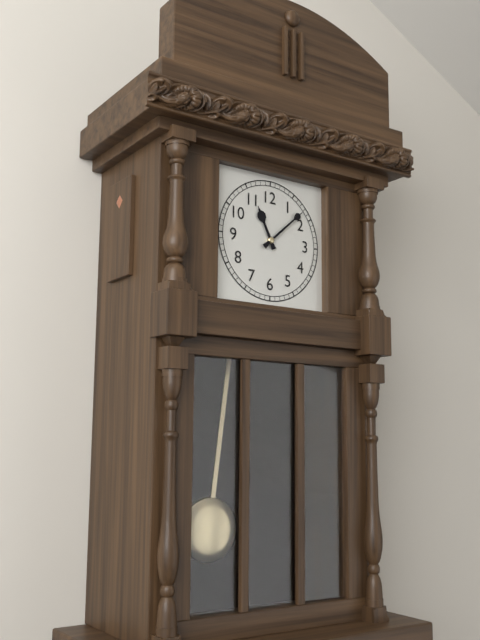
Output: 11.08
